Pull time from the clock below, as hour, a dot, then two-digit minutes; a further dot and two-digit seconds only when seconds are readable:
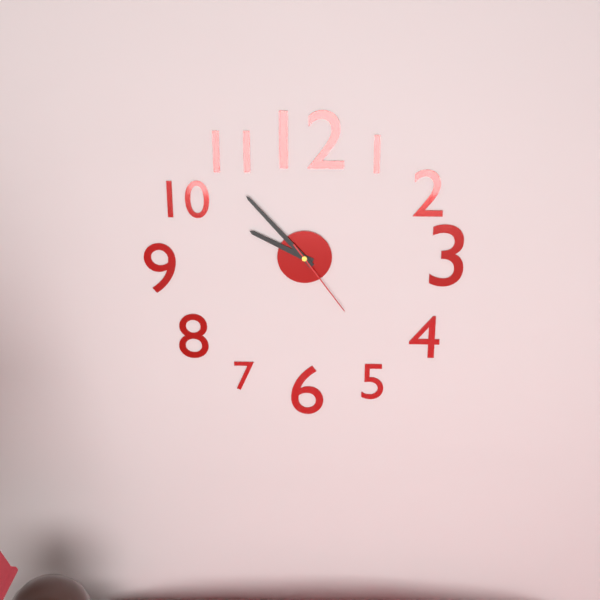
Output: 9.53.24
